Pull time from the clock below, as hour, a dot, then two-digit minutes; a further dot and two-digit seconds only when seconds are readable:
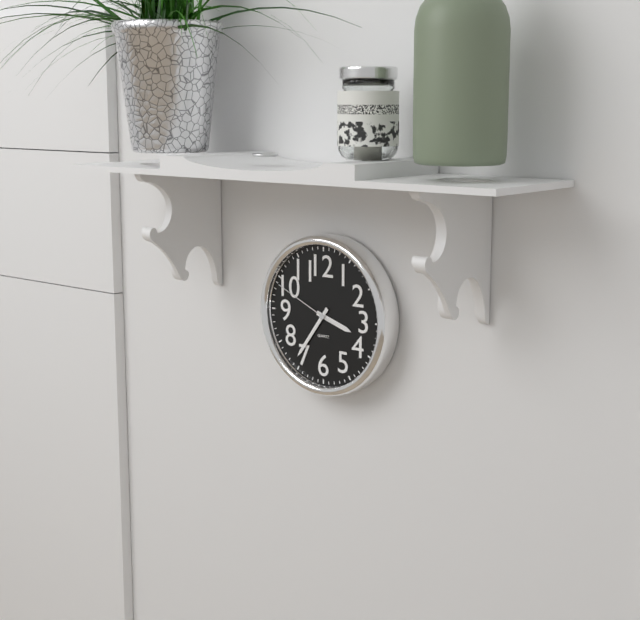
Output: 3.36.49
